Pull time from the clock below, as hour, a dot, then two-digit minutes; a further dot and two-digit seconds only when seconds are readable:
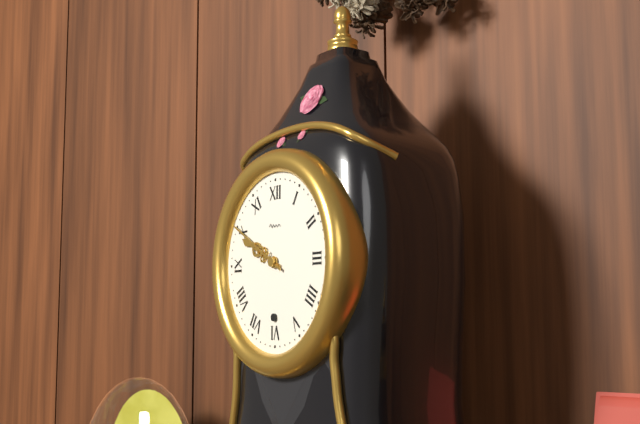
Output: 9.50
